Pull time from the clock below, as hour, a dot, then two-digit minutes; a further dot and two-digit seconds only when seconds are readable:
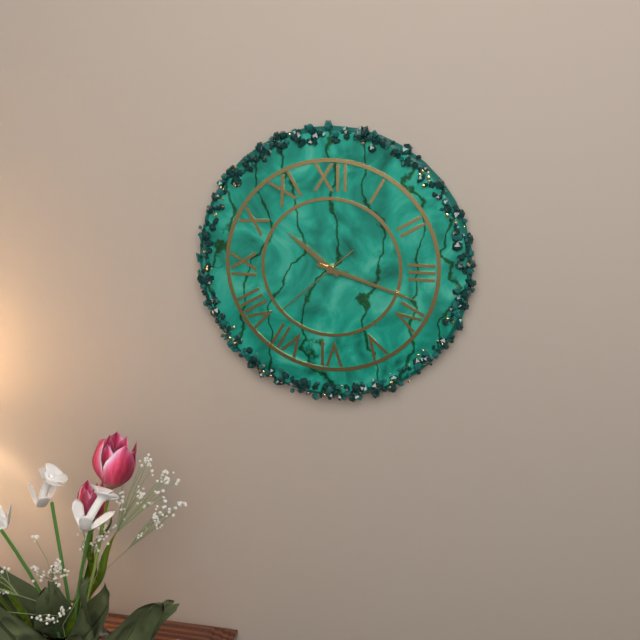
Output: 10.18.38
